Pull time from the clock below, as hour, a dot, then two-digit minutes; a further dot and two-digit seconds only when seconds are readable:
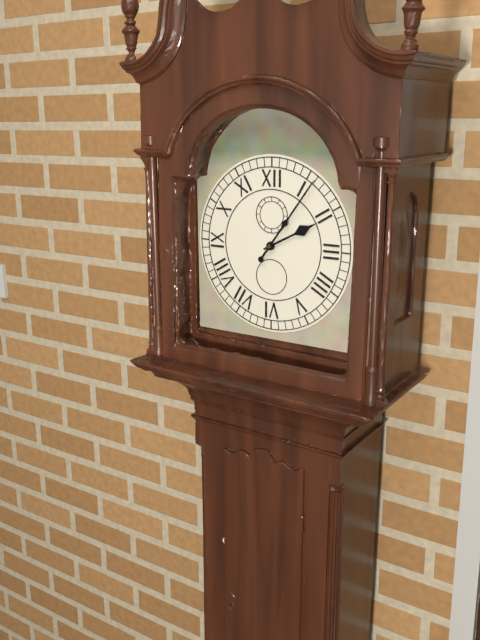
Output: 2.06
